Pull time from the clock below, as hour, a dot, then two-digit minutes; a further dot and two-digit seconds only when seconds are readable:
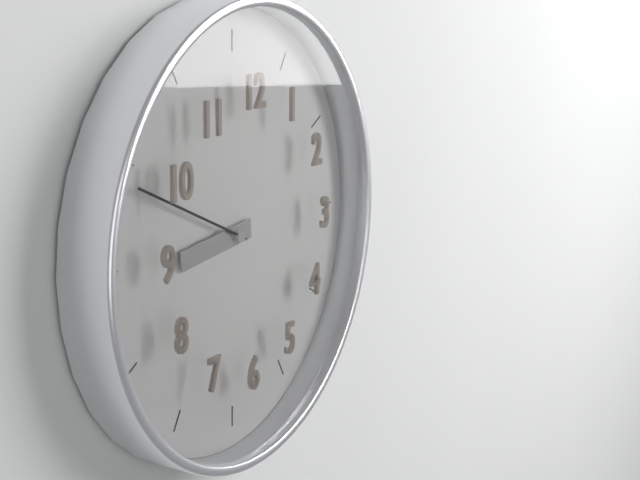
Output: 8.49
